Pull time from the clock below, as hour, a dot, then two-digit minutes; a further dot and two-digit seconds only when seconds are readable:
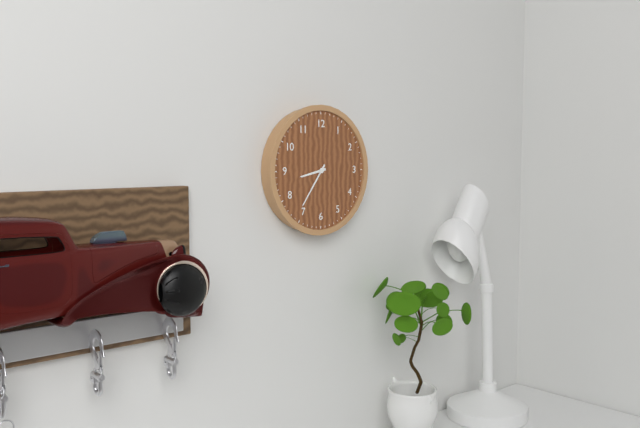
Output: 8.36
